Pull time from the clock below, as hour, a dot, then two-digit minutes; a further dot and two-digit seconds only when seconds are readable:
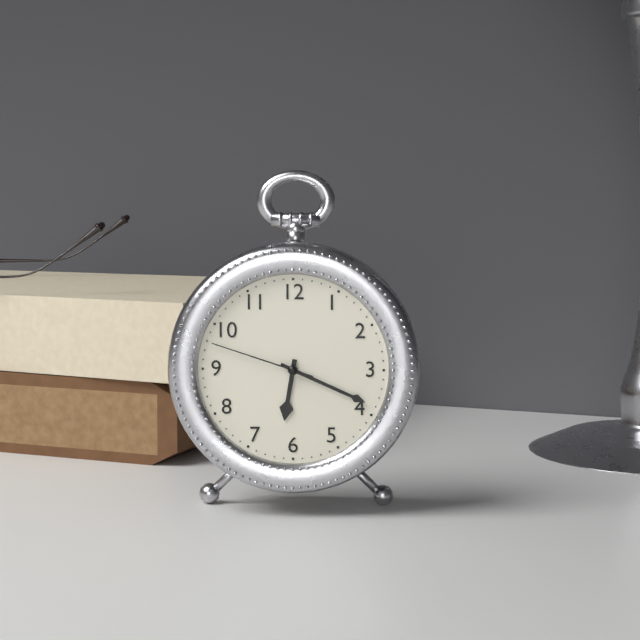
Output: 6.19.48
